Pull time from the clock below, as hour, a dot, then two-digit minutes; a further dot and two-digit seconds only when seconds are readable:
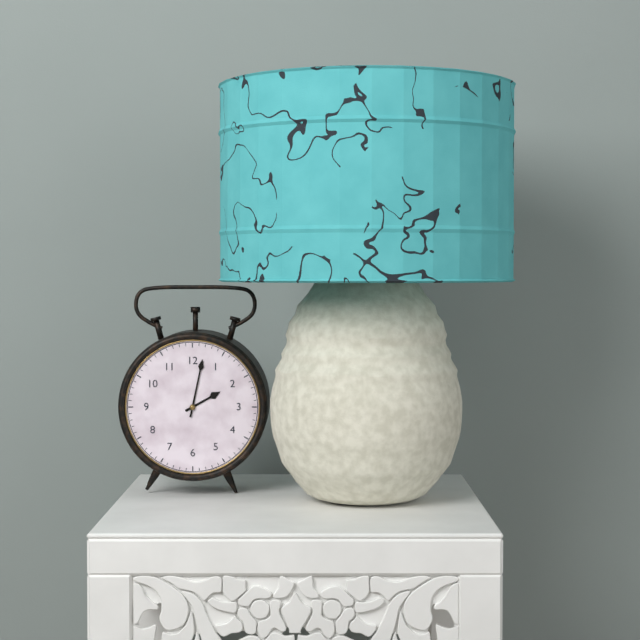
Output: 2.02
